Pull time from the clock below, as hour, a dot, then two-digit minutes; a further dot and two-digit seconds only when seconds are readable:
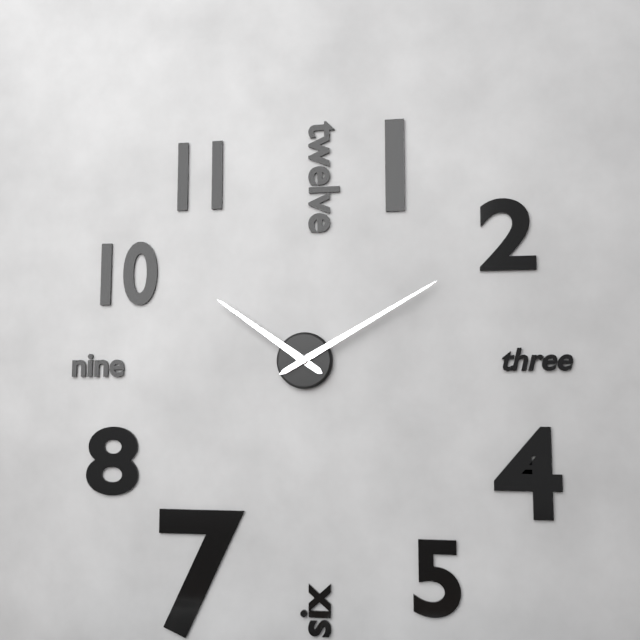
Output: 10.10
